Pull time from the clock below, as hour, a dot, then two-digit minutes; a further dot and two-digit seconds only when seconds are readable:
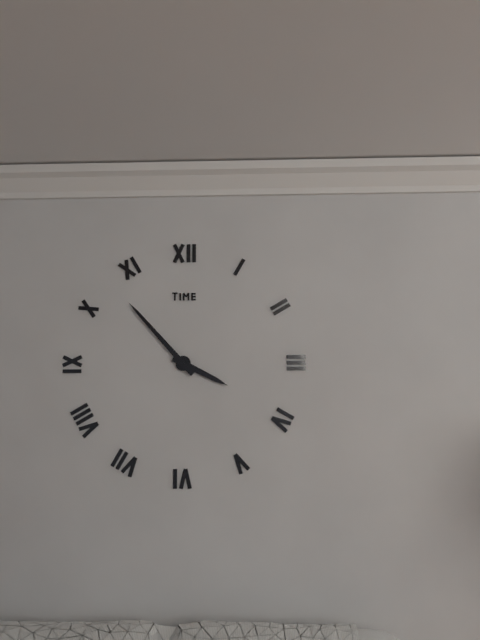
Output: 3.53
